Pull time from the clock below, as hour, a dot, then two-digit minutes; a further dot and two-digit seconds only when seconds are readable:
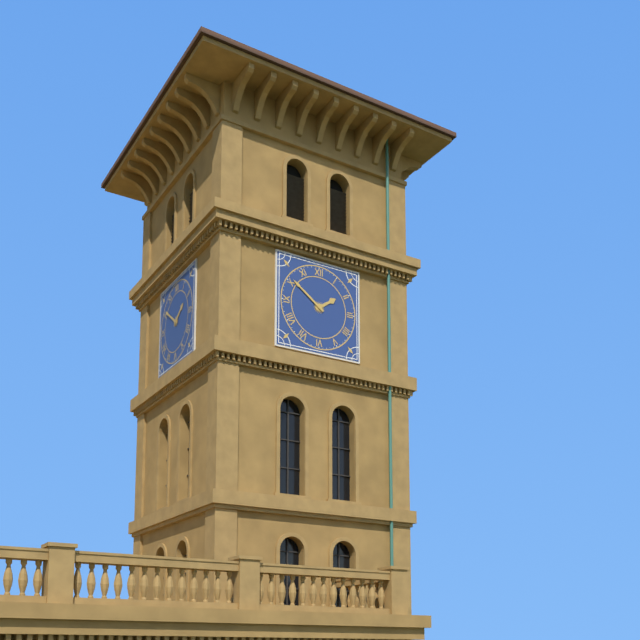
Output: 1.51
